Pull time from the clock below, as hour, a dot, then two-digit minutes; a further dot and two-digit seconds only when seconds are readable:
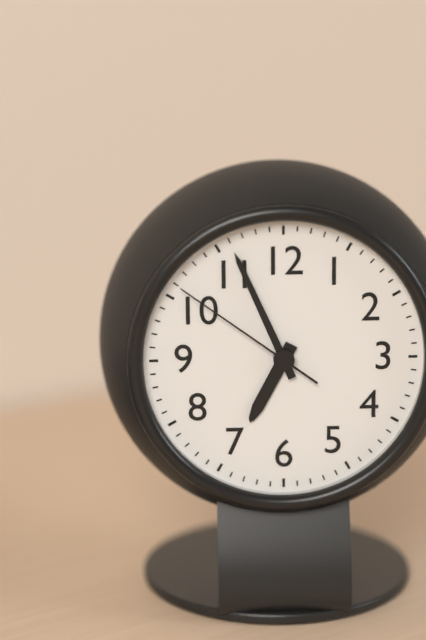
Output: 6.56.51
